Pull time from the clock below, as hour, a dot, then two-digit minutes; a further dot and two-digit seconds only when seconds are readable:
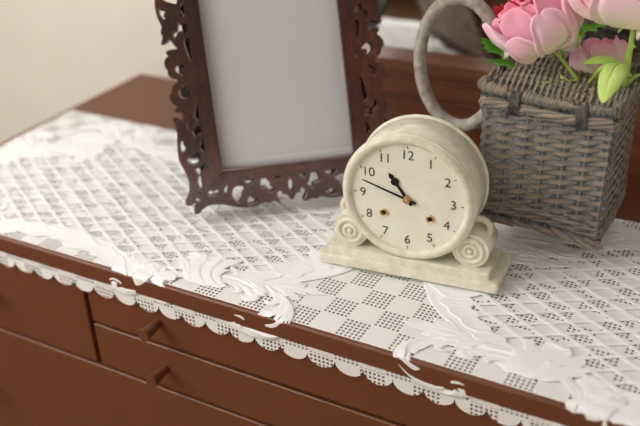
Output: 10.48
